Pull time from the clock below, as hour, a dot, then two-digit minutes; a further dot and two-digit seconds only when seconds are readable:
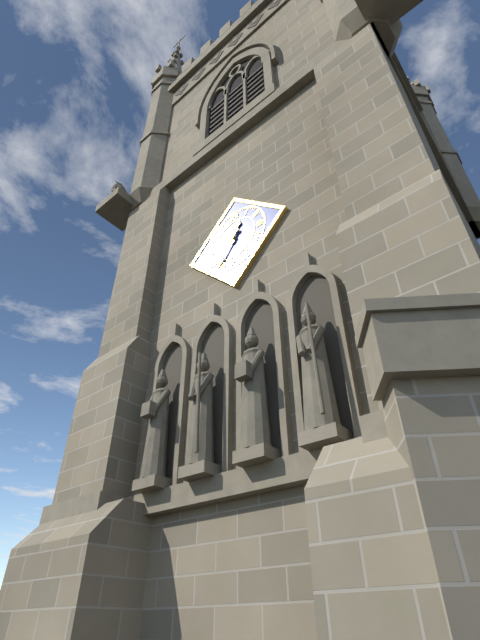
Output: 12.36
